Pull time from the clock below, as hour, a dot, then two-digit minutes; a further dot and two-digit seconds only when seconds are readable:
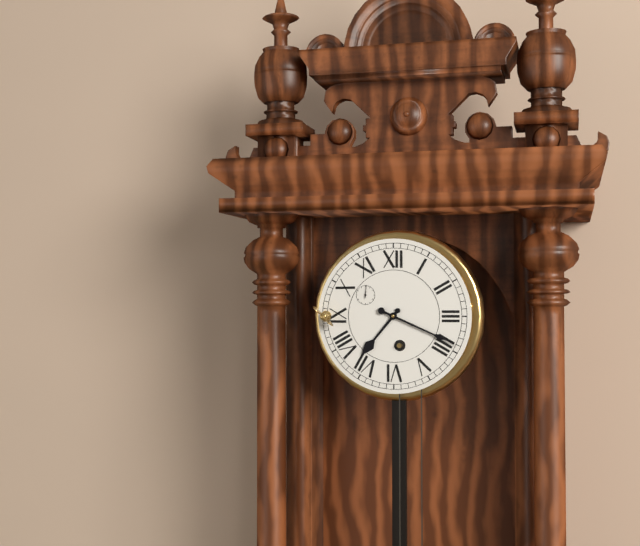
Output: 7.19
